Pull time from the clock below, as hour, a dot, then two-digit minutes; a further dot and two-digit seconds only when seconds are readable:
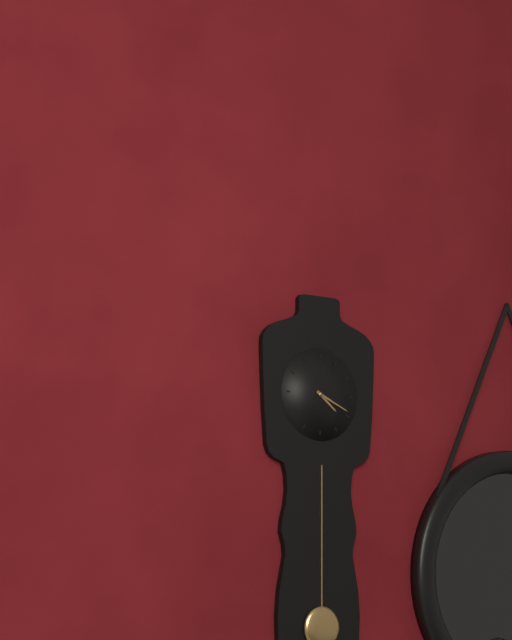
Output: 4.19
